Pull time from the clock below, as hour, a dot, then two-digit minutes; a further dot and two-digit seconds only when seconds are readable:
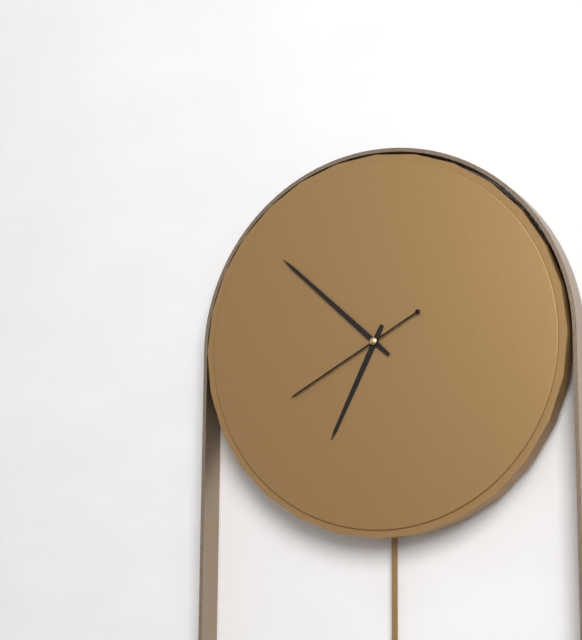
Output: 6.52.40
